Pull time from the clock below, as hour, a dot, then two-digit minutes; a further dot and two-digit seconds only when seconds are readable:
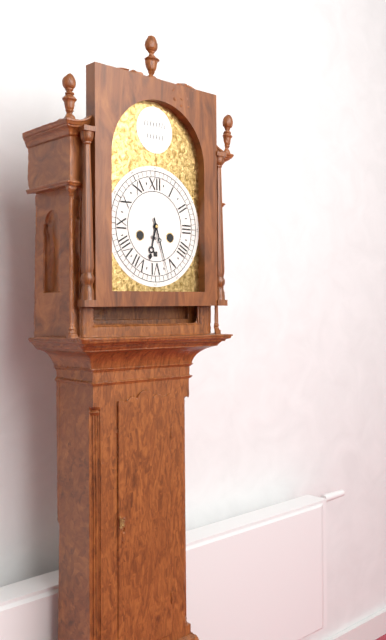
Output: 6.27
